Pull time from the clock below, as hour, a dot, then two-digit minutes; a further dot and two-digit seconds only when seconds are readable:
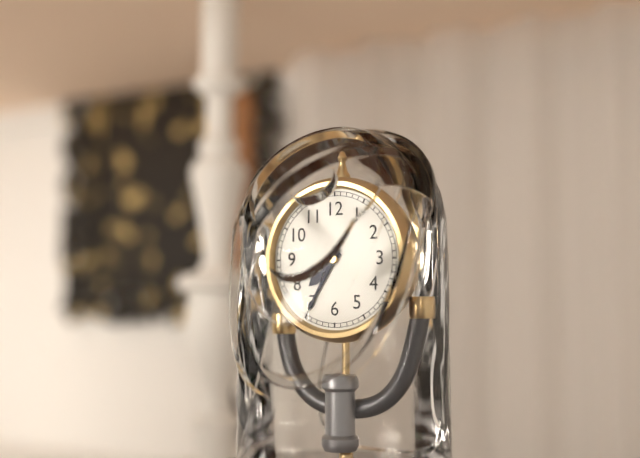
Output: 7.35
